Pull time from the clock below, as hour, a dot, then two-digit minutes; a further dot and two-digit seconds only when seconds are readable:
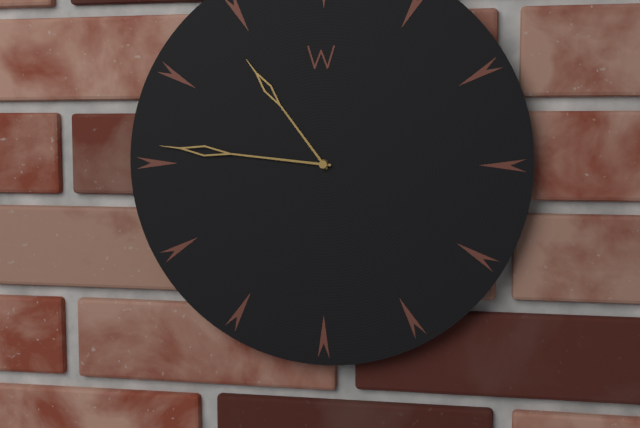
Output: 10.46
